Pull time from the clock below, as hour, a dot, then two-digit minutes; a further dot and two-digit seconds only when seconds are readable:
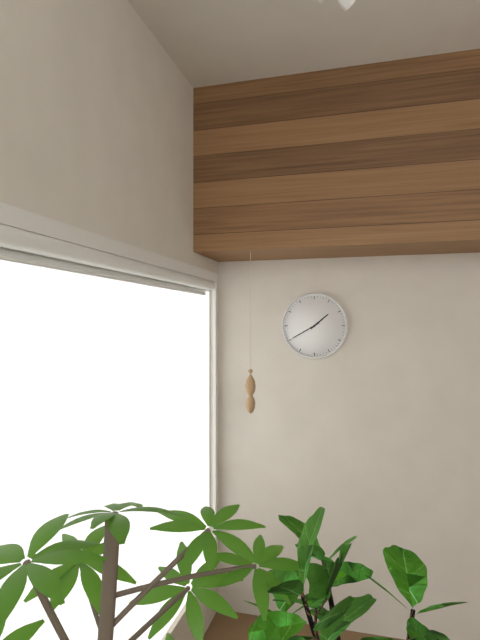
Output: 1.40
